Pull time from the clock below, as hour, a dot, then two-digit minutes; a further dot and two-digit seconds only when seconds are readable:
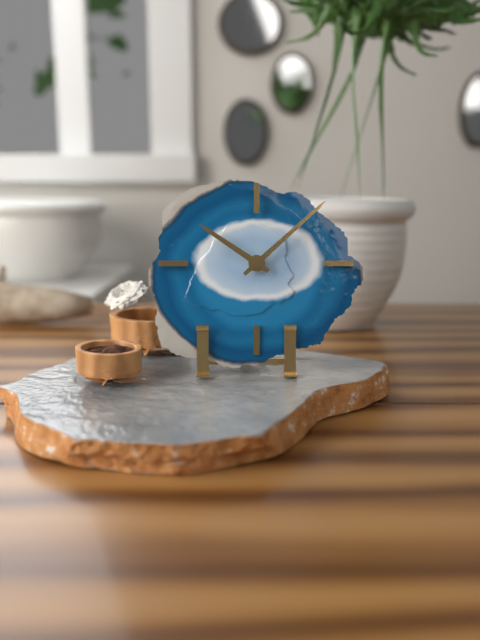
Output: 10.08
